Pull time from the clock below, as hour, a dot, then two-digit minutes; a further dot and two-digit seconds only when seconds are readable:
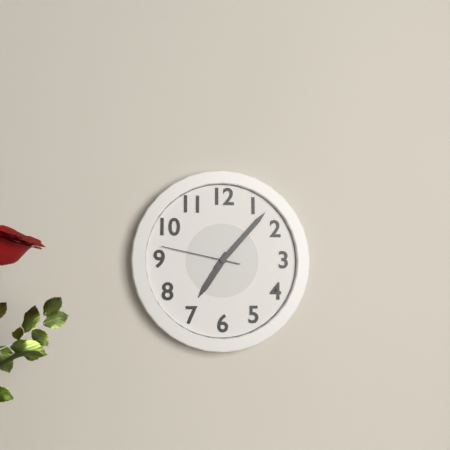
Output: 7.07.47
